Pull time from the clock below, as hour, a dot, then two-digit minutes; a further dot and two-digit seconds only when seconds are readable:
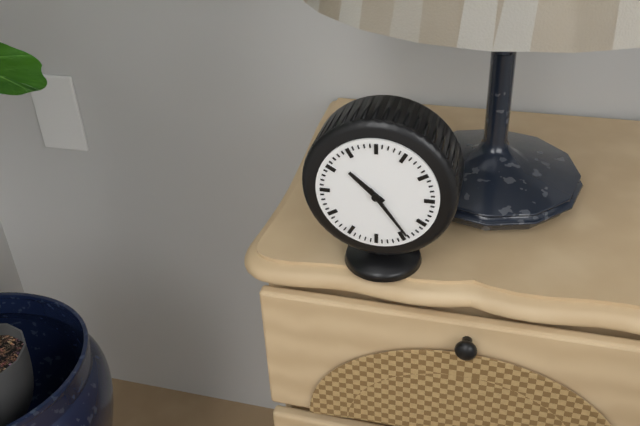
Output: 10.24
